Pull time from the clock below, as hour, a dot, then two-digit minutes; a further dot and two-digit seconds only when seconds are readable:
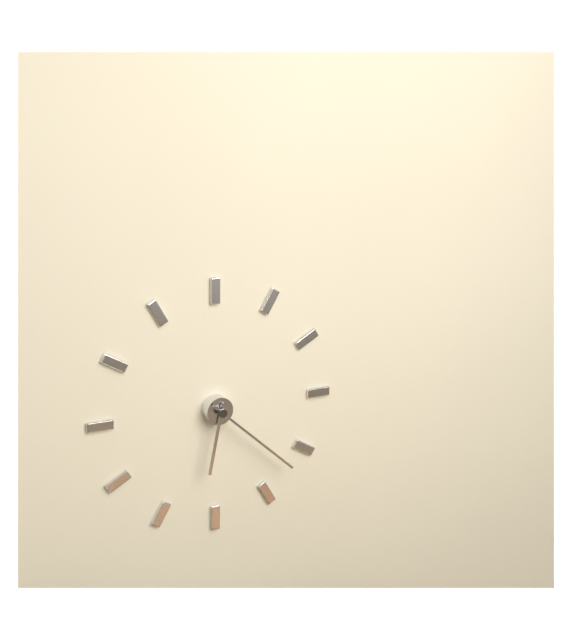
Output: 6.22
